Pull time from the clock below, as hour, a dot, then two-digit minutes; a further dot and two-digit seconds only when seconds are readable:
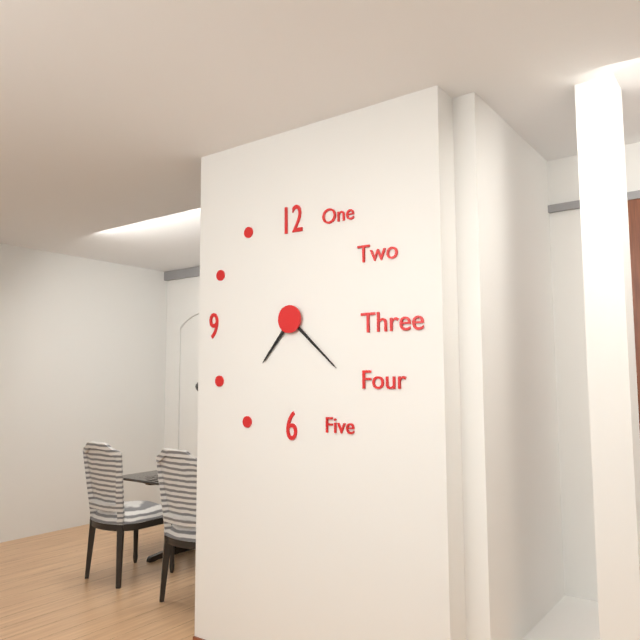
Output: 7.22
